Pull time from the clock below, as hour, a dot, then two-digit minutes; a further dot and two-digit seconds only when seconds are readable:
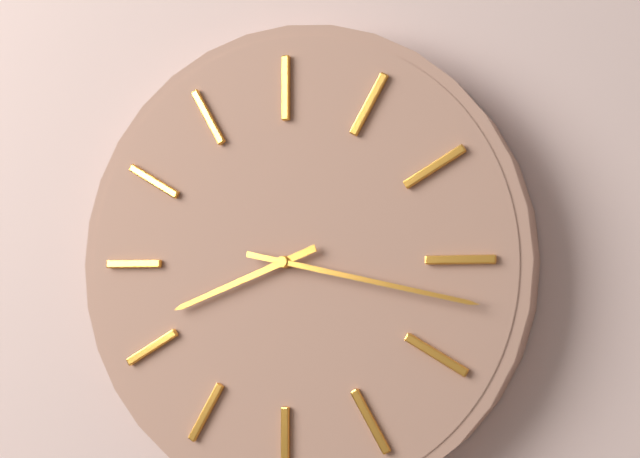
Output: 8.17
